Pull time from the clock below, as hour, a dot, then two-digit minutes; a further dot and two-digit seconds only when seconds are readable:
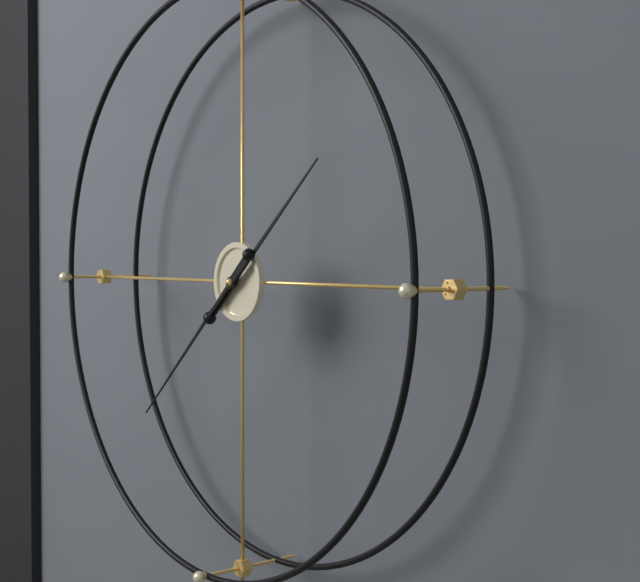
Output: 1.38
